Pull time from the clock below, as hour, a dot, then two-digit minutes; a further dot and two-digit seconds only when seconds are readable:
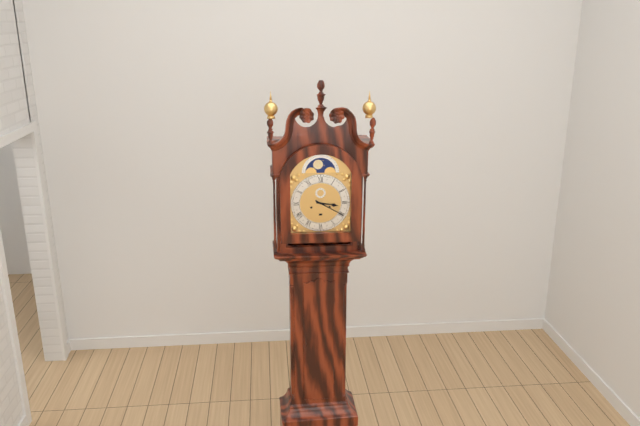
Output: 3.20
